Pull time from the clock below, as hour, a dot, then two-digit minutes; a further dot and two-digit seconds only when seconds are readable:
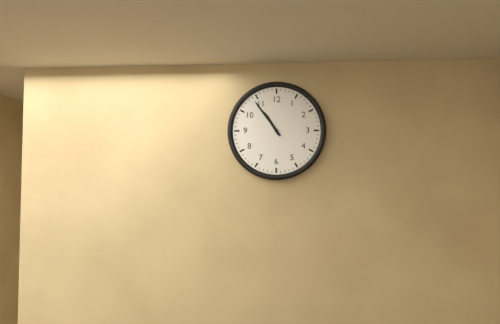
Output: 10.54
